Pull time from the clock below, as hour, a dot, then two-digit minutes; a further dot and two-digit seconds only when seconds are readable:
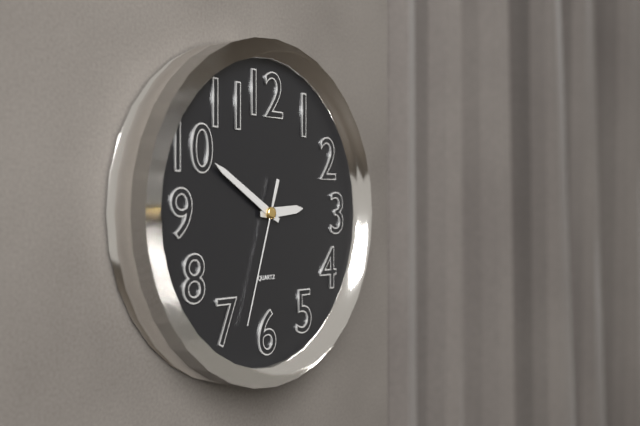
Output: 2.50.33
